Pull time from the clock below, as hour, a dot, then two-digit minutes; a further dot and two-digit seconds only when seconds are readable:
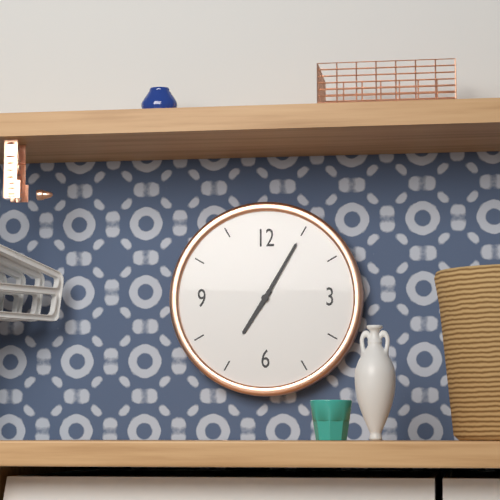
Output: 7.05
